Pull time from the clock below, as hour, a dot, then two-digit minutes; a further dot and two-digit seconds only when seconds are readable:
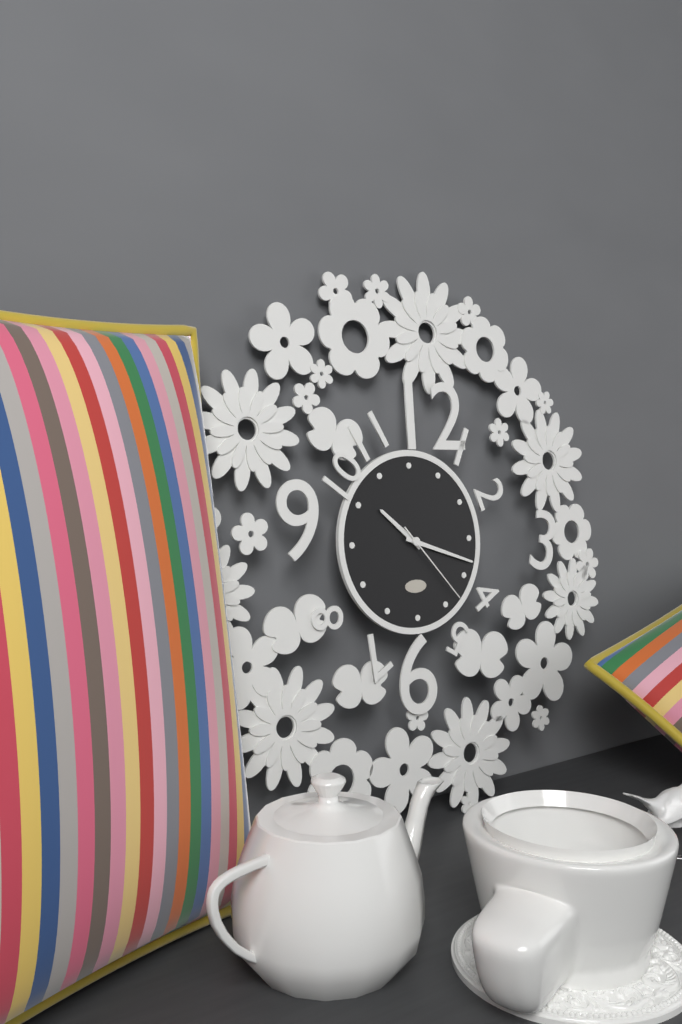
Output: 10.18.23
